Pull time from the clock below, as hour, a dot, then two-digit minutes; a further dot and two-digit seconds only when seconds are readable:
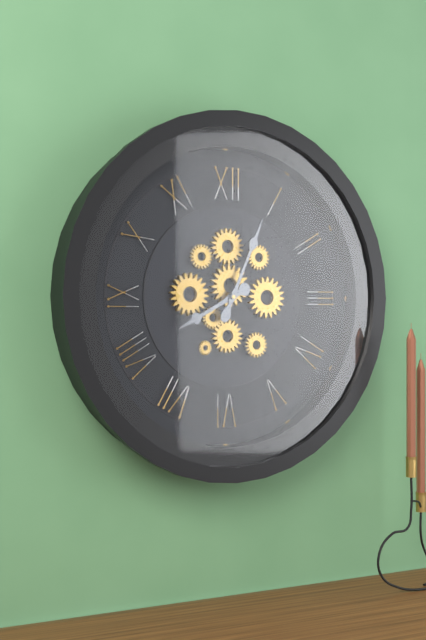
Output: 8.04
